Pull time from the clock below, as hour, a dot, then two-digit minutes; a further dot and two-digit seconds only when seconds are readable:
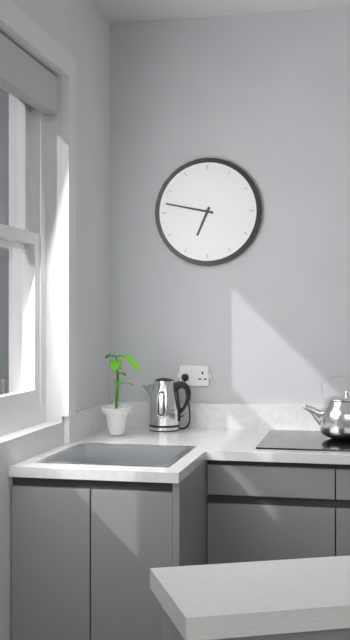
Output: 6.47
